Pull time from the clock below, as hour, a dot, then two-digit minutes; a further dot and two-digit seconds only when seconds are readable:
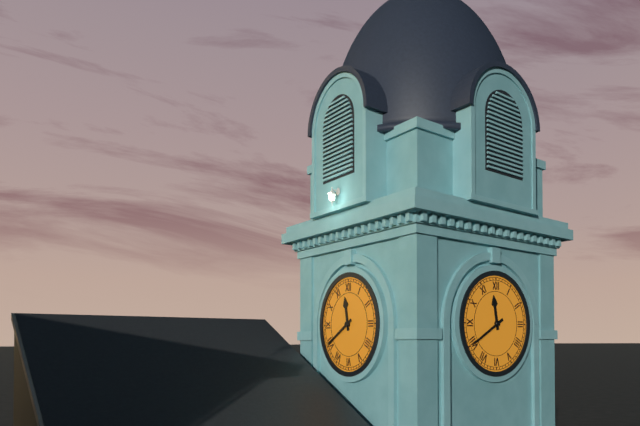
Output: 11.40
